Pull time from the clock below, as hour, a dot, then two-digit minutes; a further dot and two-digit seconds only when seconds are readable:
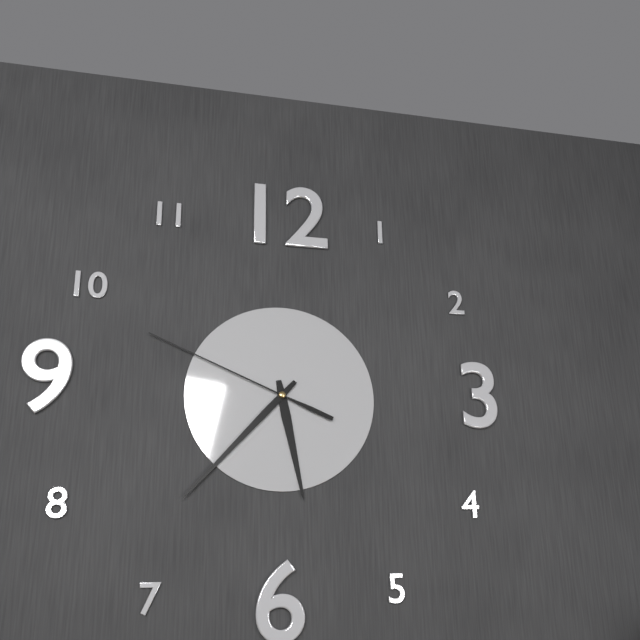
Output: 5.37.49
